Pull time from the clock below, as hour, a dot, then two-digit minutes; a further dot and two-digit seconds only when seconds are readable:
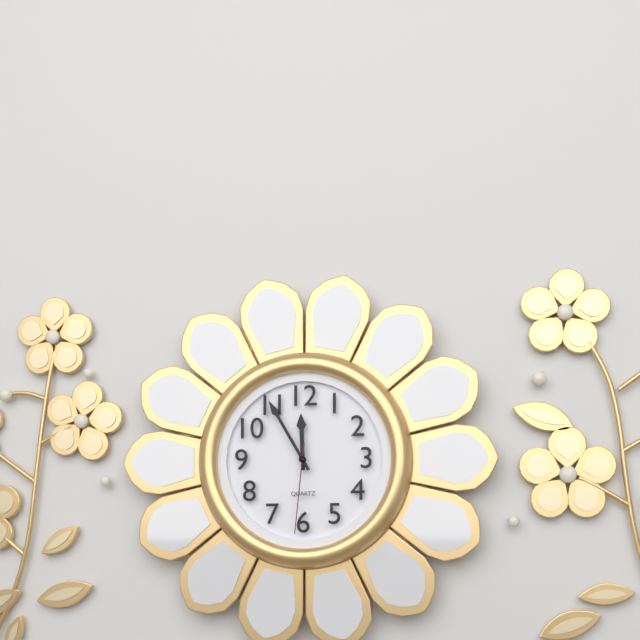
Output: 11.55.31
